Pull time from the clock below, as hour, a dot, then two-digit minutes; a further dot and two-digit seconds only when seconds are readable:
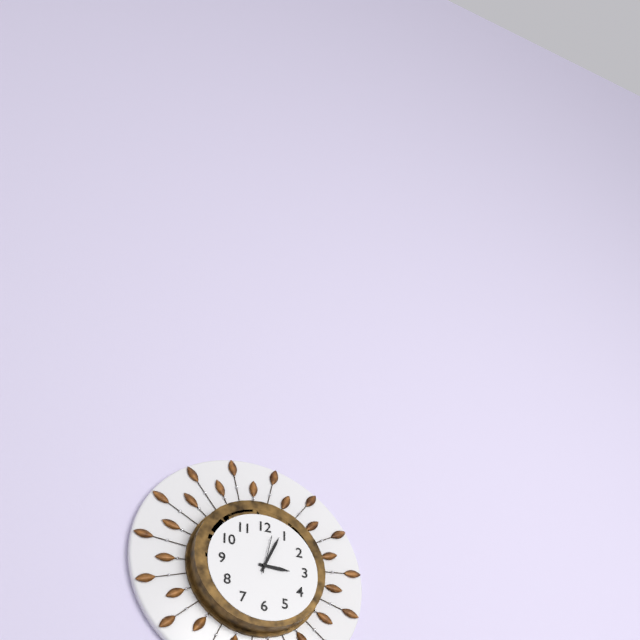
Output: 3.04
